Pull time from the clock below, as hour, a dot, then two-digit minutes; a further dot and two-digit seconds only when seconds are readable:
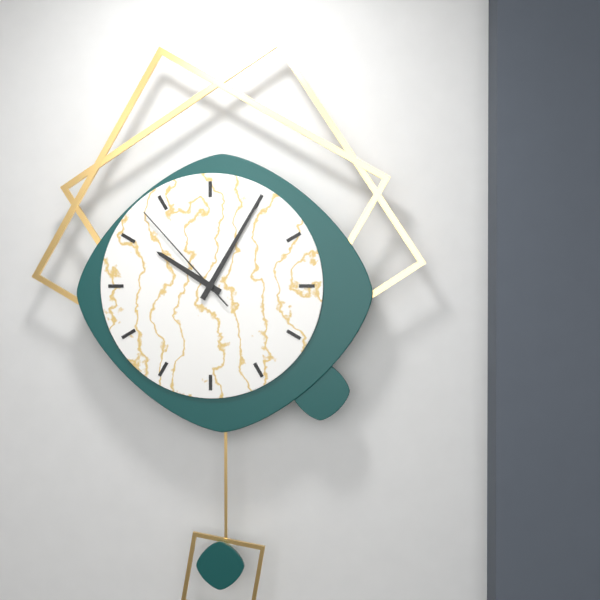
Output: 10.05.53
